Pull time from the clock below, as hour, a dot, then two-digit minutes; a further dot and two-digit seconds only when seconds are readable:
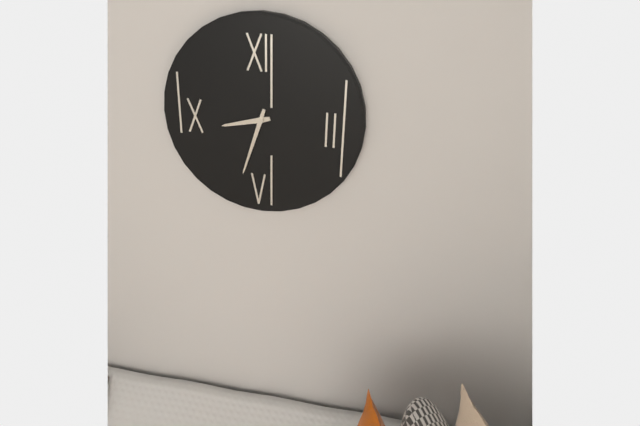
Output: 8.33
